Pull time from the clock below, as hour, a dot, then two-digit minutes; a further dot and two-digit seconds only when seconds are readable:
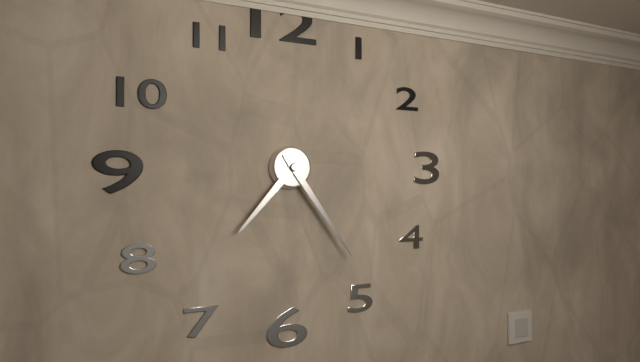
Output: 7.24
